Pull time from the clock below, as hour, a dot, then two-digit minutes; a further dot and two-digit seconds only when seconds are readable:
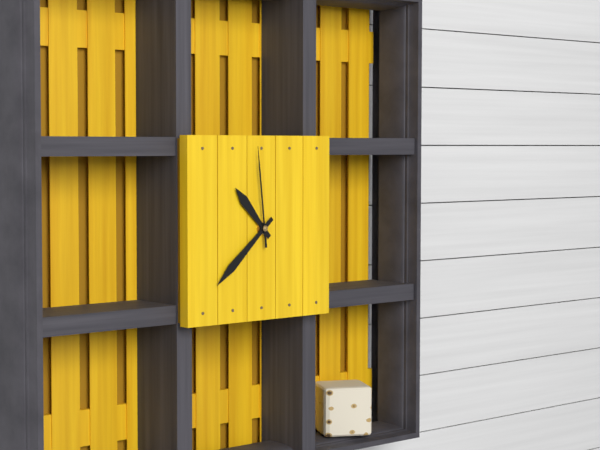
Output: 10.38.59
